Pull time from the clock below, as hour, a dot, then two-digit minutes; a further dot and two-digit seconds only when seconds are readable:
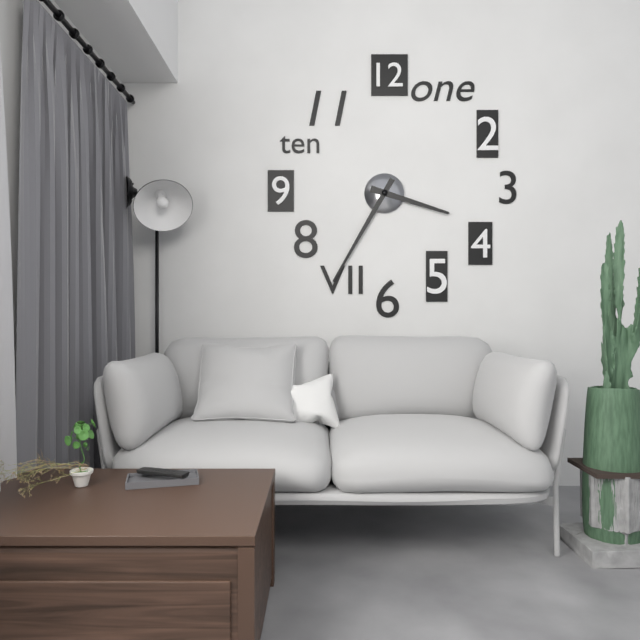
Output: 3.35
